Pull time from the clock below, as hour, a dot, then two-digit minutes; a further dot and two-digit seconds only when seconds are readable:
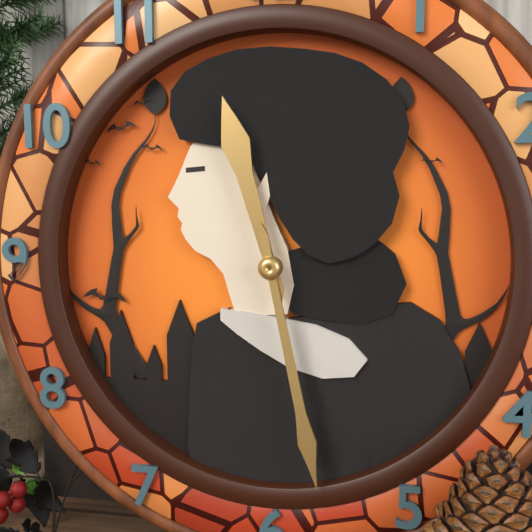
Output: 11.28
